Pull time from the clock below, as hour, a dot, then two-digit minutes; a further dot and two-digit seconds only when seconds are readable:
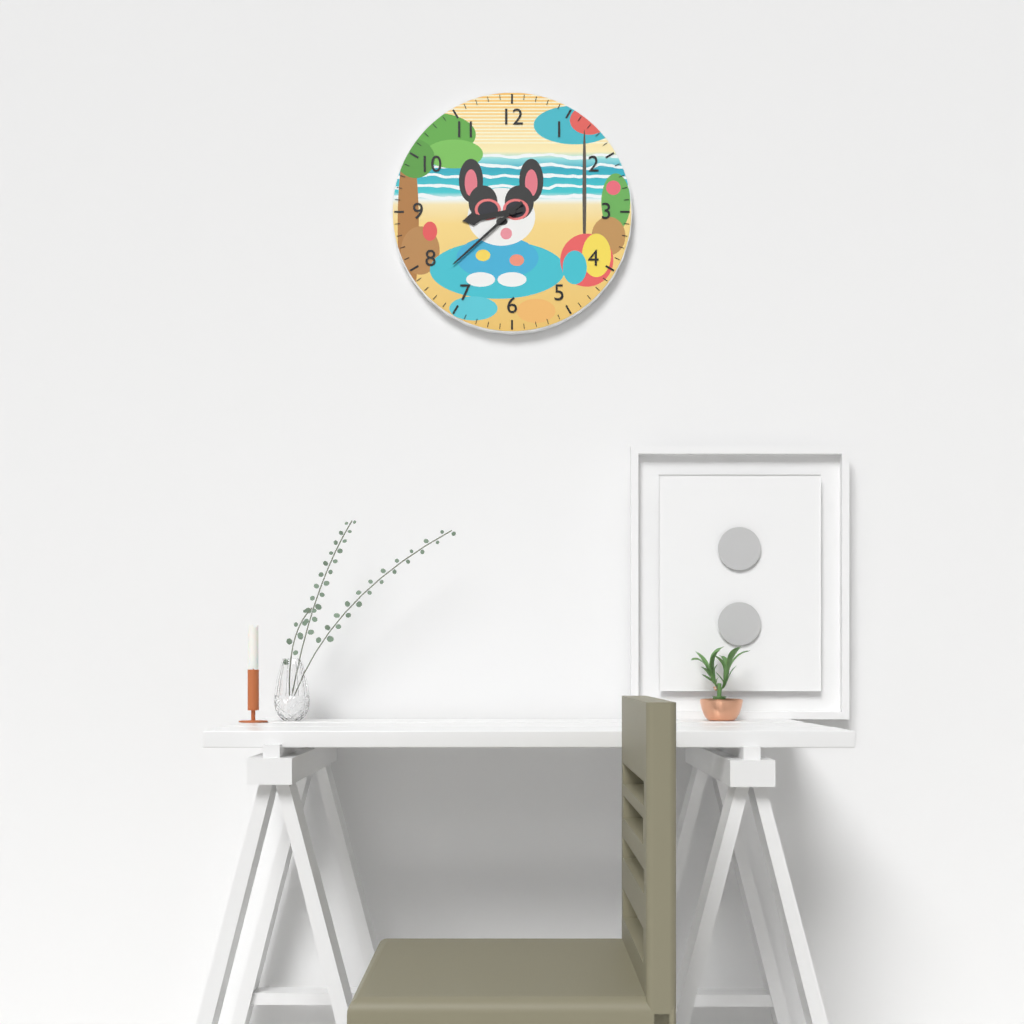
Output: 8.38
